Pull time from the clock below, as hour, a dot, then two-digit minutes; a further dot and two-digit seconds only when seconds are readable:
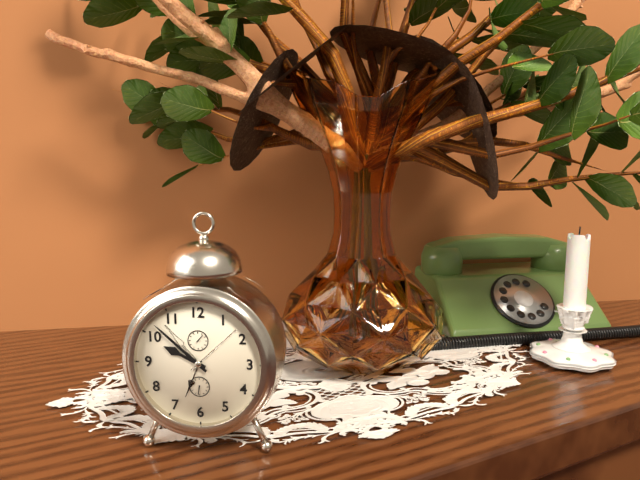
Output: 9.52
